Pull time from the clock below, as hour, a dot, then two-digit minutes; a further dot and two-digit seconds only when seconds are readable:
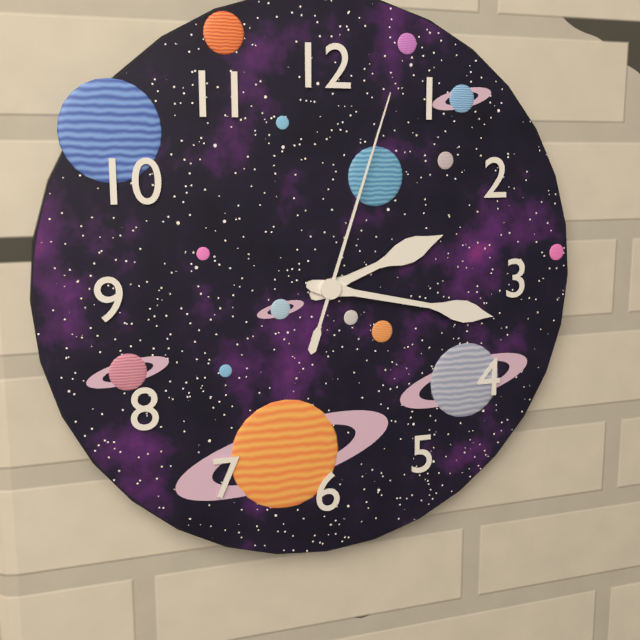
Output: 2.17.03
